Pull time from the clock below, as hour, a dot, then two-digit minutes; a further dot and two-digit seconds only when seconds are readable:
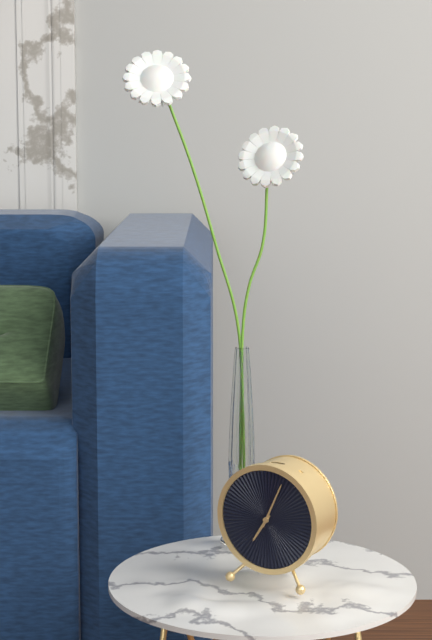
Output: 7.04
